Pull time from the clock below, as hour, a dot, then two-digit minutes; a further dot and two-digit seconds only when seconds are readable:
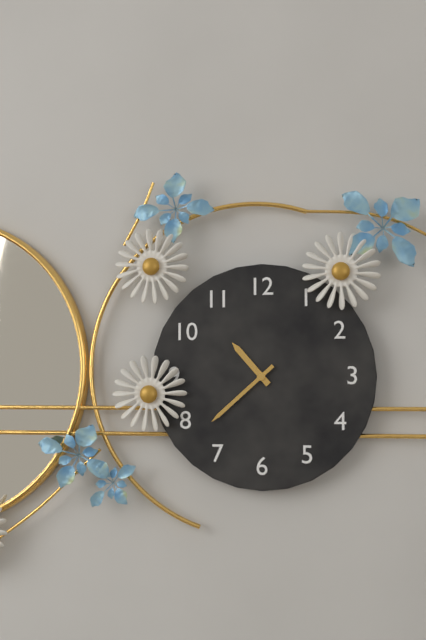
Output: 10.38
